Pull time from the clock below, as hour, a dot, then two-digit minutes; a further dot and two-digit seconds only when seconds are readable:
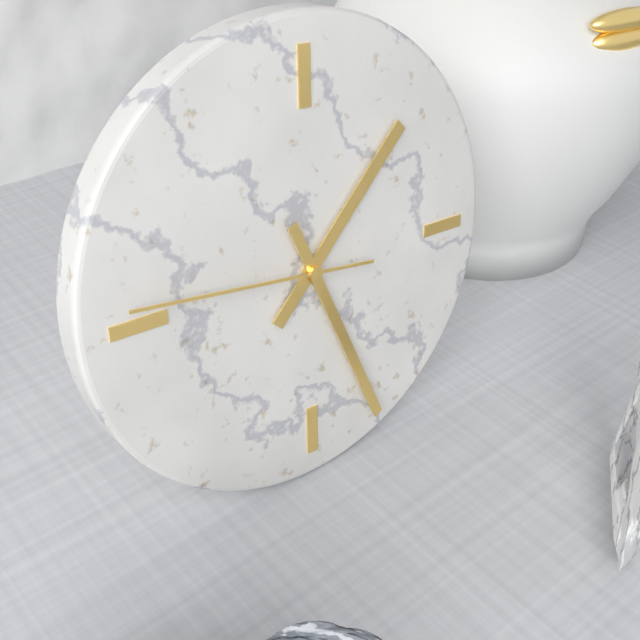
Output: 1.26.46
